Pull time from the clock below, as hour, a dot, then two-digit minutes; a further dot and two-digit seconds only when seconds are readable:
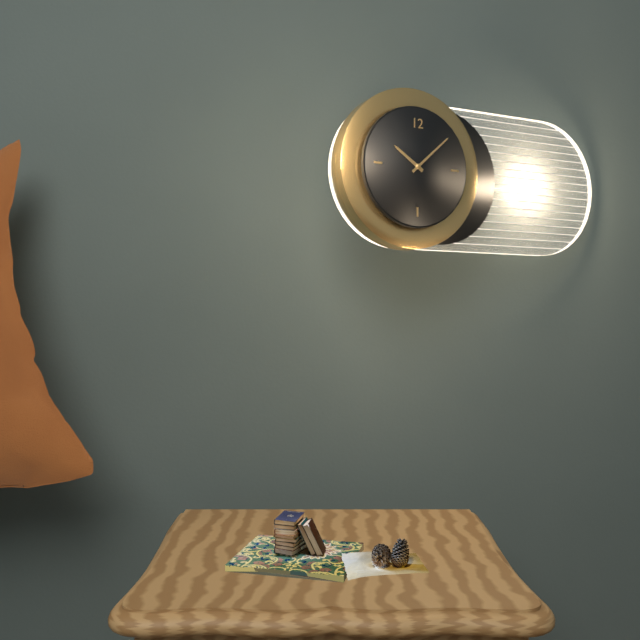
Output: 10.08
